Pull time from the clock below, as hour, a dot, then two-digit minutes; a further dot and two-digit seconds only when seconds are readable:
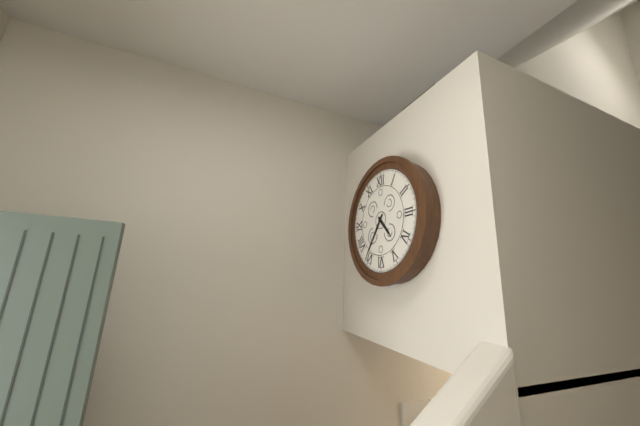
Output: 4.36
